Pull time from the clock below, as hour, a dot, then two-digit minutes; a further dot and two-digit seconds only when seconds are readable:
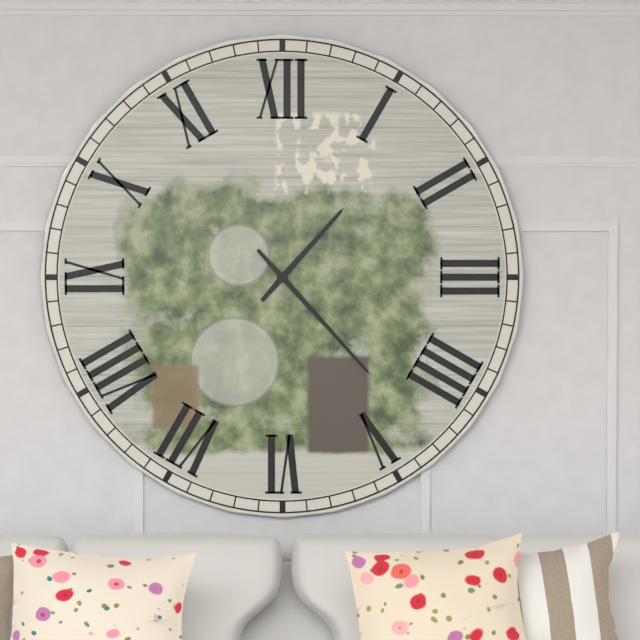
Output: 1.23
